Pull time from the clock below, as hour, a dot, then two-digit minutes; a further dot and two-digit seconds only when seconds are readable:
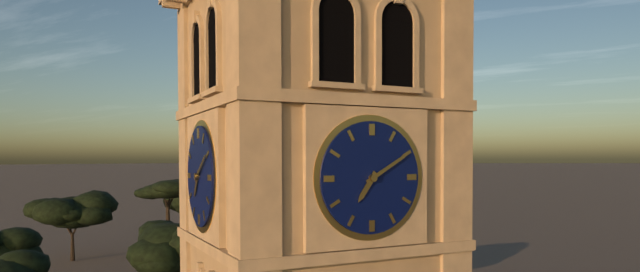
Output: 7.10
